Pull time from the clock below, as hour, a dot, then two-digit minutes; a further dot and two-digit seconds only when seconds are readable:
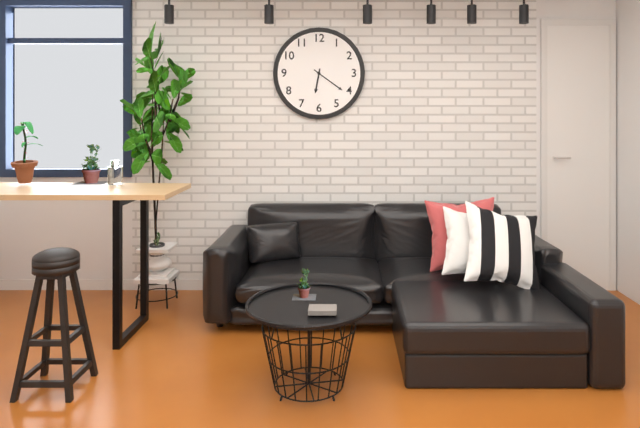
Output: 6.21
